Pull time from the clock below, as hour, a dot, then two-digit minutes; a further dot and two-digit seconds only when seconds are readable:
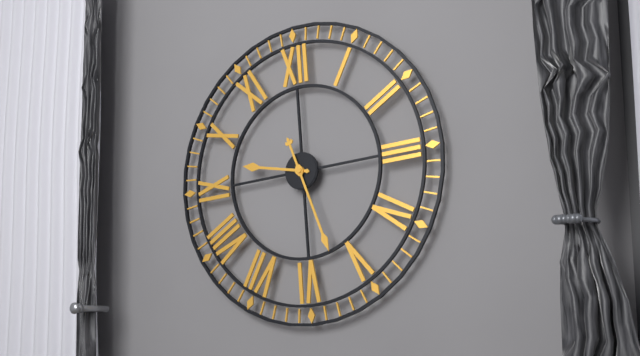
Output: 9.27
